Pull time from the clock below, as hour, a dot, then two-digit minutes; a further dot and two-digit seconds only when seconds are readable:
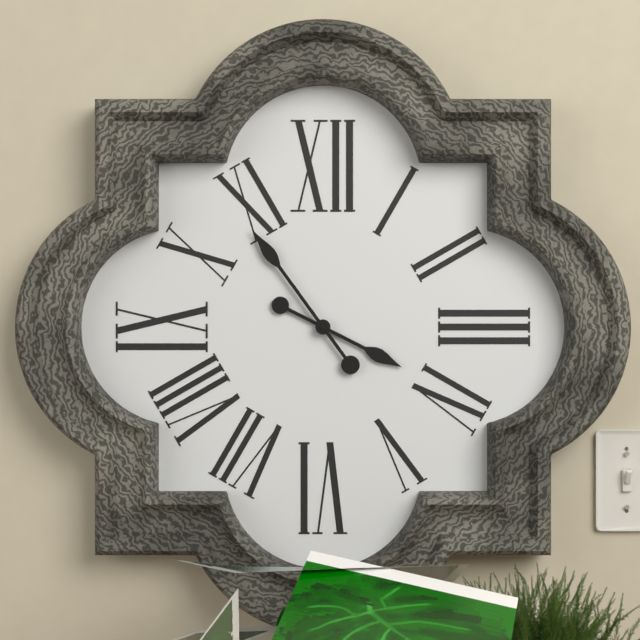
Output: 3.54
